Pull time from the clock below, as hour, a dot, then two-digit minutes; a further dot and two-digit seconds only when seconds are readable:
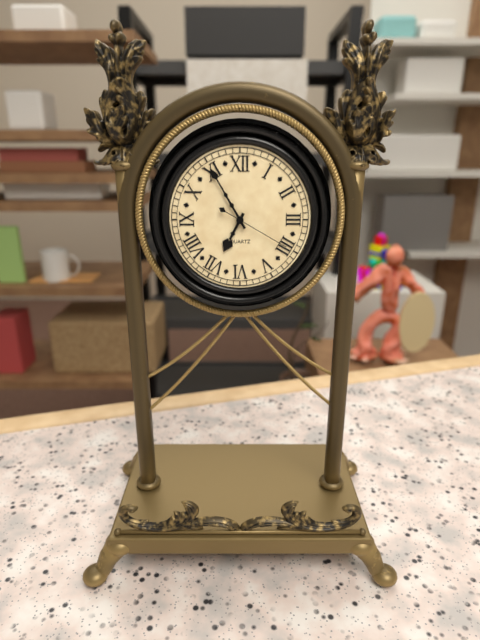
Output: 6.55.20
